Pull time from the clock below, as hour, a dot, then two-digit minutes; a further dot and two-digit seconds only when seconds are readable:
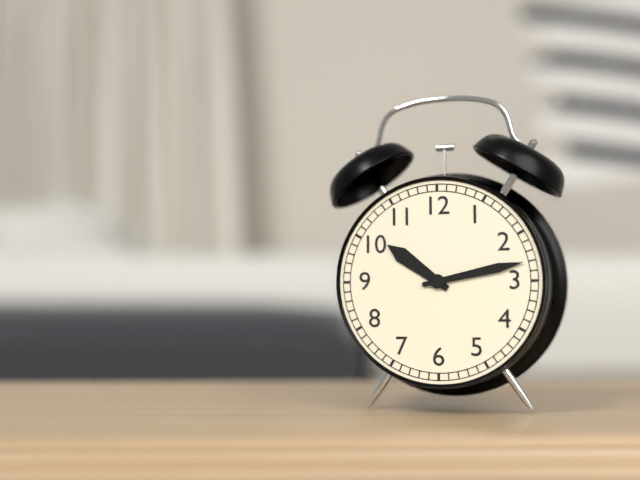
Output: 10.13
